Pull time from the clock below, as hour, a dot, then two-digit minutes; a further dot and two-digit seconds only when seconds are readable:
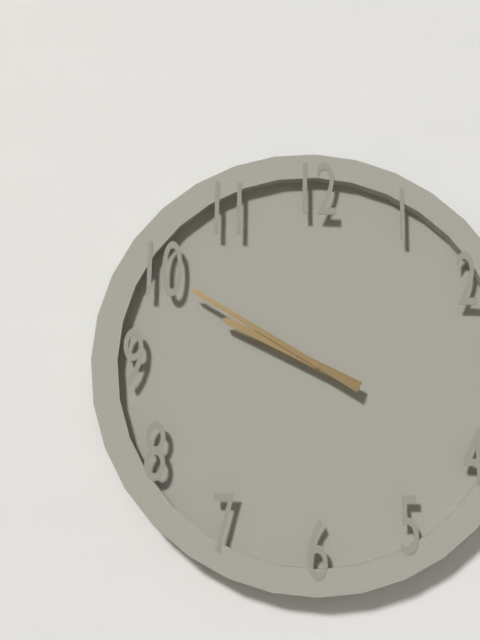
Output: 9.50
